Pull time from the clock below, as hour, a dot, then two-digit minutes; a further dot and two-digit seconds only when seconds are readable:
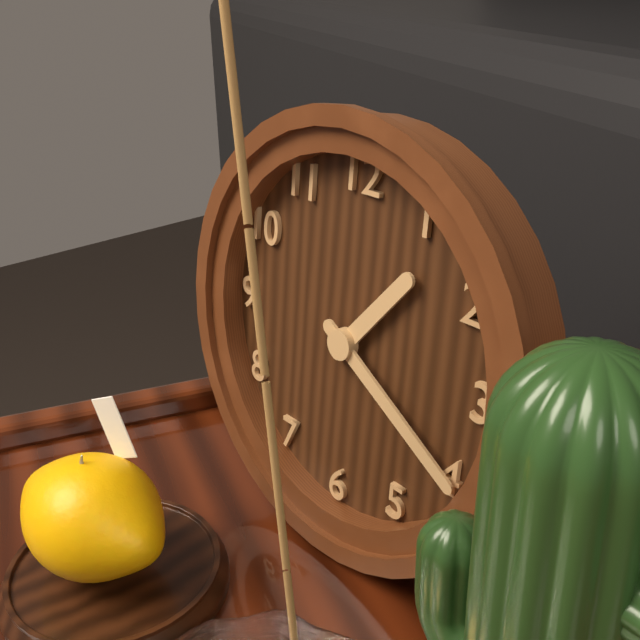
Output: 1.20
